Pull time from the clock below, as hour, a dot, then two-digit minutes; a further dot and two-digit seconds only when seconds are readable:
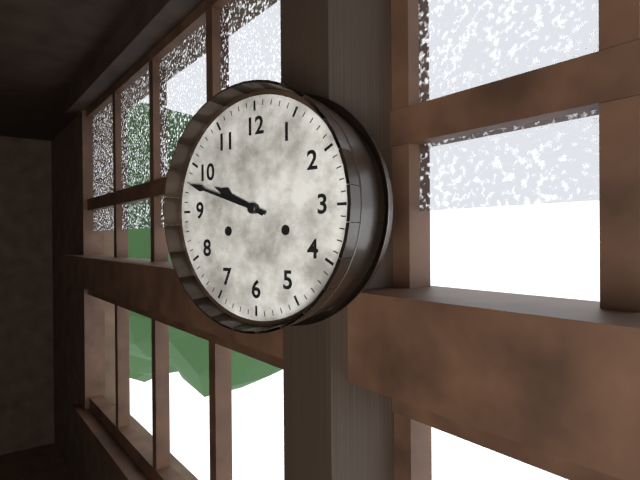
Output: 9.48
